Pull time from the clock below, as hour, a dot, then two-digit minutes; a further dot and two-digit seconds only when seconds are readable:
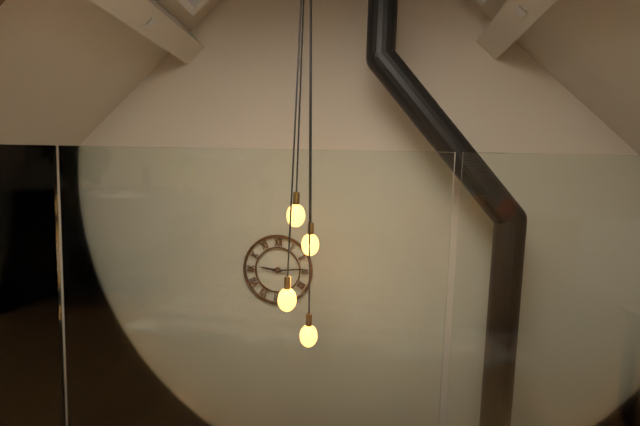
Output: 9.14
